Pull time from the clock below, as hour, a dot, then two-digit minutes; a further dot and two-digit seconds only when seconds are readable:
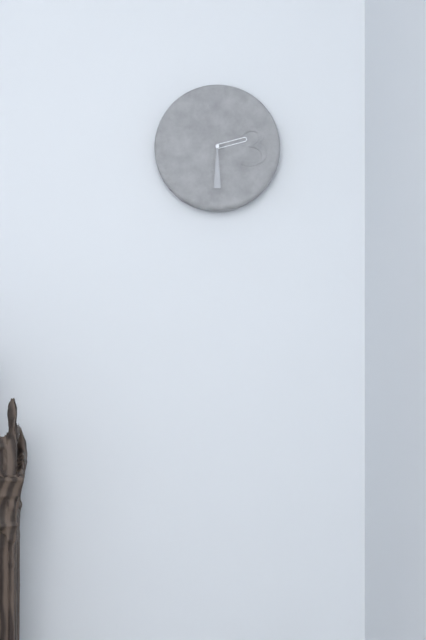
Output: 2.30
